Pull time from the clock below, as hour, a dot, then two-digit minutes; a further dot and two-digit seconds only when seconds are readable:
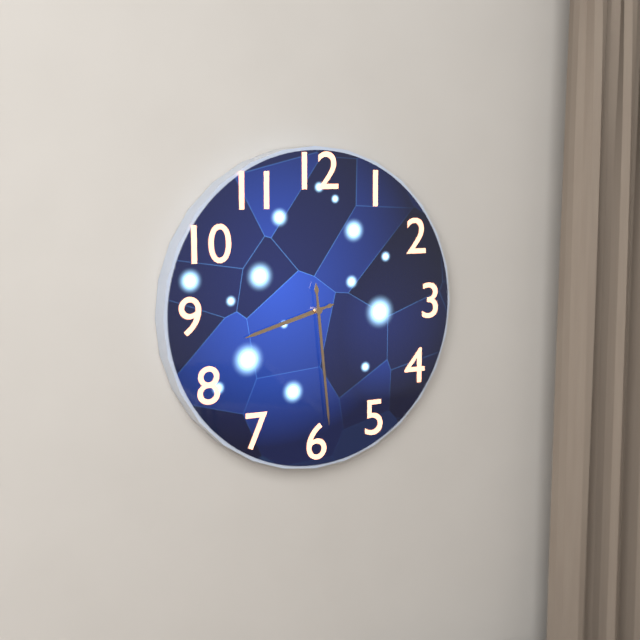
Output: 8.29
